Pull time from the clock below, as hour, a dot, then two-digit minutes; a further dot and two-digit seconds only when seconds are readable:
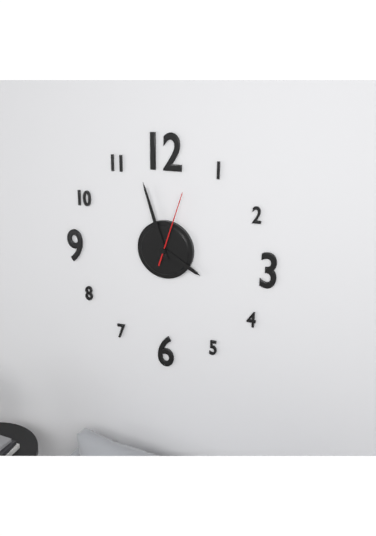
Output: 3.57.03
